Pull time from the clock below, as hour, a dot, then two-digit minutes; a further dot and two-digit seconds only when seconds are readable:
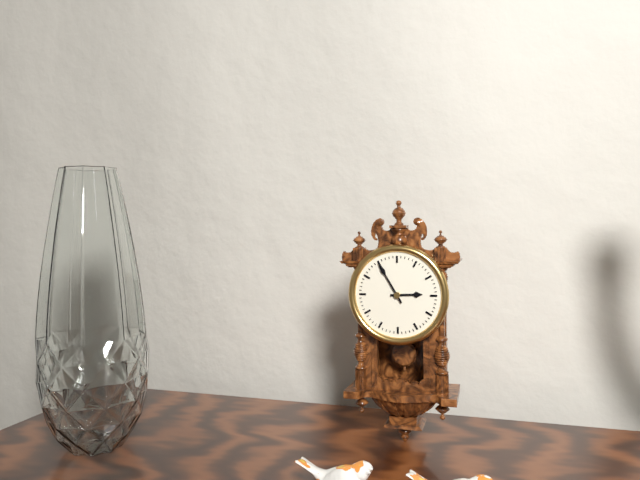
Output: 2.55
